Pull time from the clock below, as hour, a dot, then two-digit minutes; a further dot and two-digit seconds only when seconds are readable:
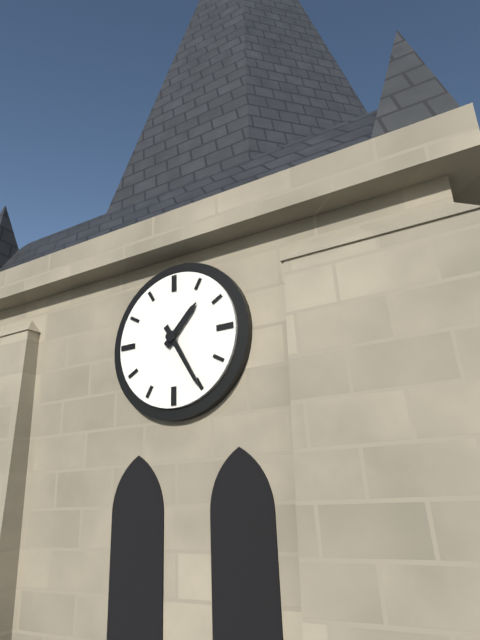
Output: 1.25
